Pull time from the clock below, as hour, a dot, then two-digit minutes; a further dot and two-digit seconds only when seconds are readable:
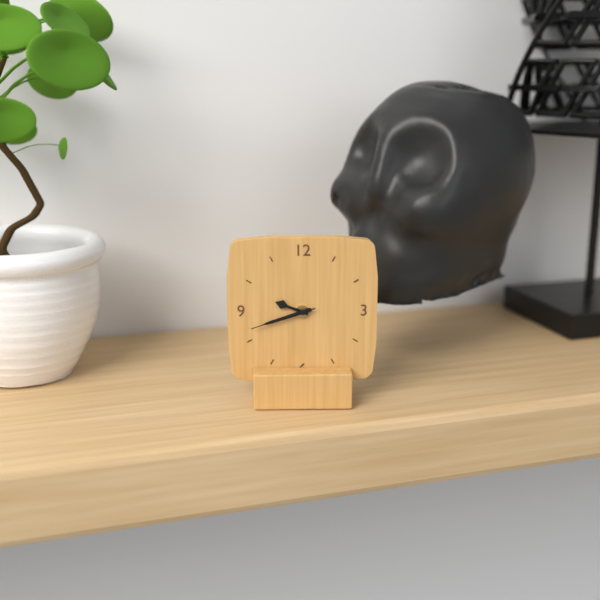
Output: 9.42.42
